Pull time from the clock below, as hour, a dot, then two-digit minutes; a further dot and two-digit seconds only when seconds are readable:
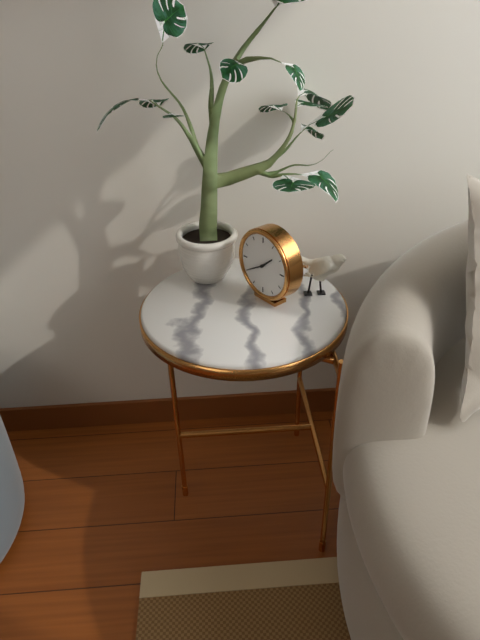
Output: 1.40
